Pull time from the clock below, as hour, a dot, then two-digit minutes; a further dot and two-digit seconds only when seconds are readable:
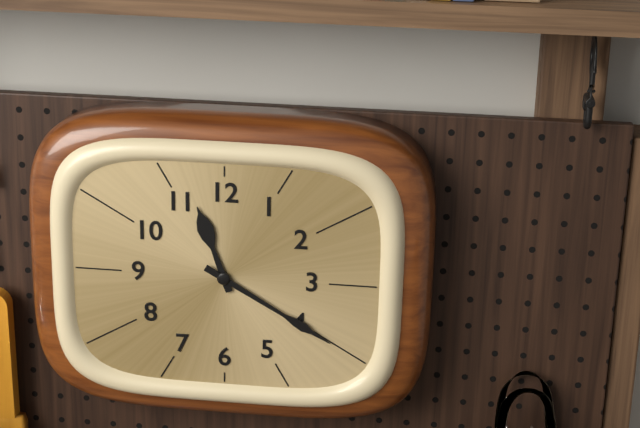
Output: 11.20
